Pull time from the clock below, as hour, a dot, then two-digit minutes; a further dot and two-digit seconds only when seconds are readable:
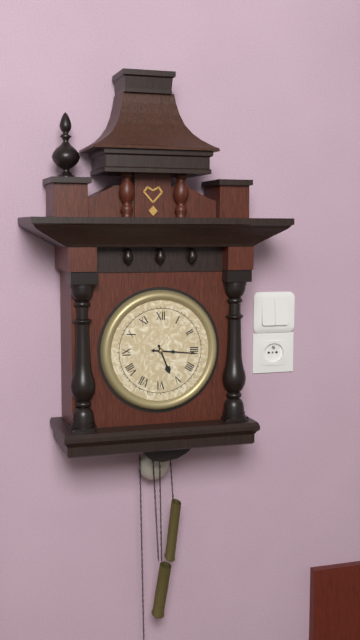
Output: 5.16
